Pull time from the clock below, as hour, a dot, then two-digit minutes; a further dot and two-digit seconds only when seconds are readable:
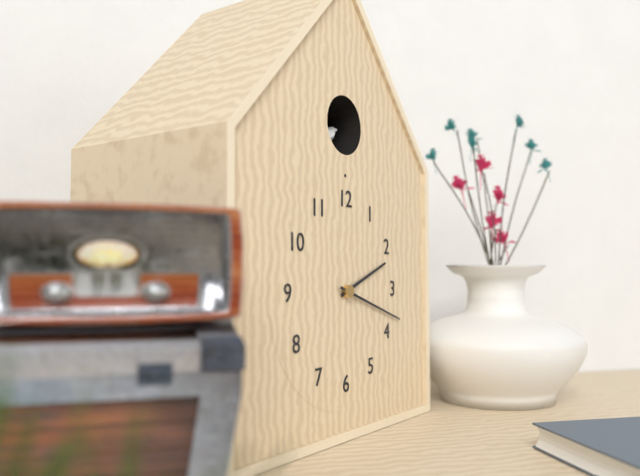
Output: 2.18
